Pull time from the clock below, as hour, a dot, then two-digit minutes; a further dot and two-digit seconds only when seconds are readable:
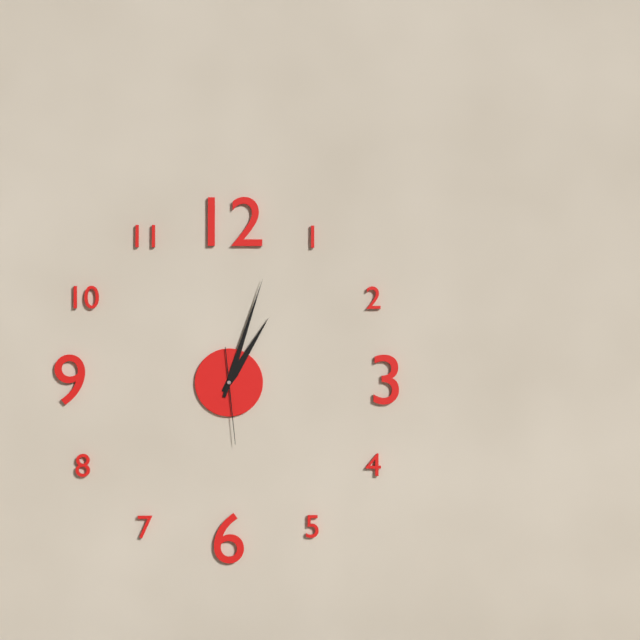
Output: 1.03.29
